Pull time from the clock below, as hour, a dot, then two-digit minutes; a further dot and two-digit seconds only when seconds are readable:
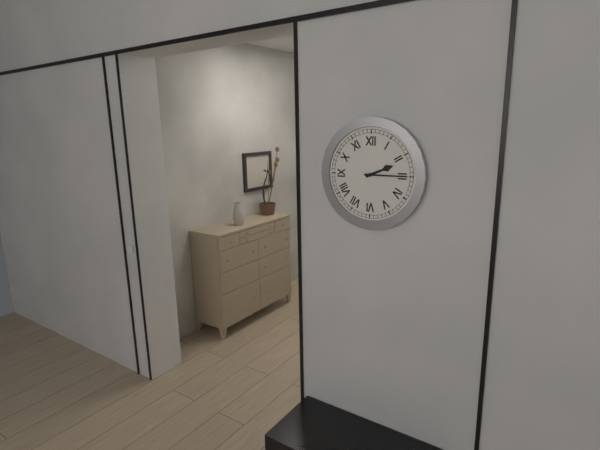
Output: 2.15
